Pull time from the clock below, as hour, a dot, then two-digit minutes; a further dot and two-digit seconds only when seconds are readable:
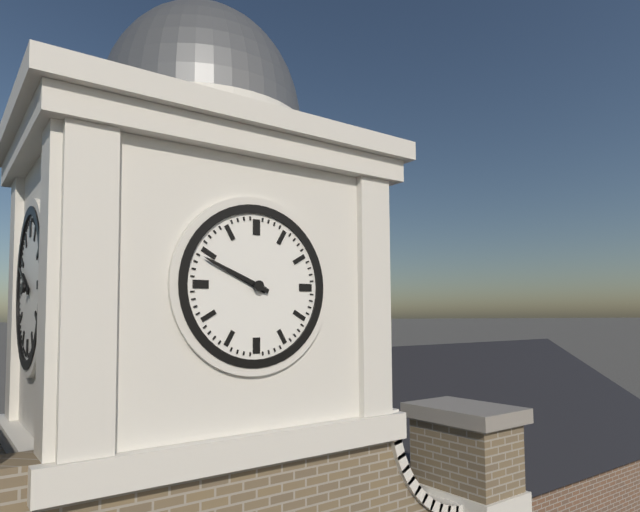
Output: 9.49
